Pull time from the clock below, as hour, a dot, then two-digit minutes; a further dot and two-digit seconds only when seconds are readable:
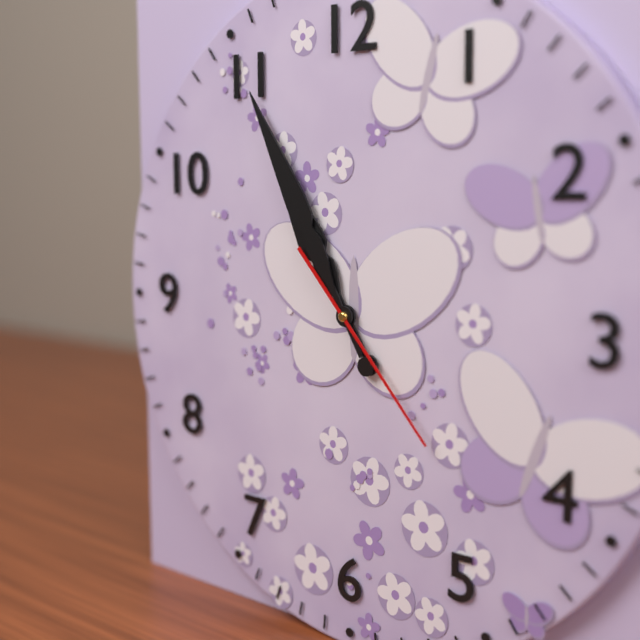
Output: 10.55.23
